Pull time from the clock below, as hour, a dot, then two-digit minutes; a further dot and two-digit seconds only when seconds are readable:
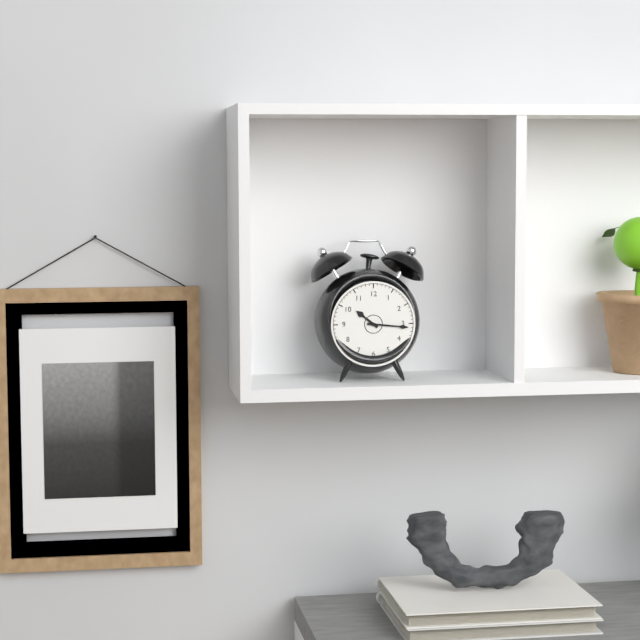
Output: 10.16
